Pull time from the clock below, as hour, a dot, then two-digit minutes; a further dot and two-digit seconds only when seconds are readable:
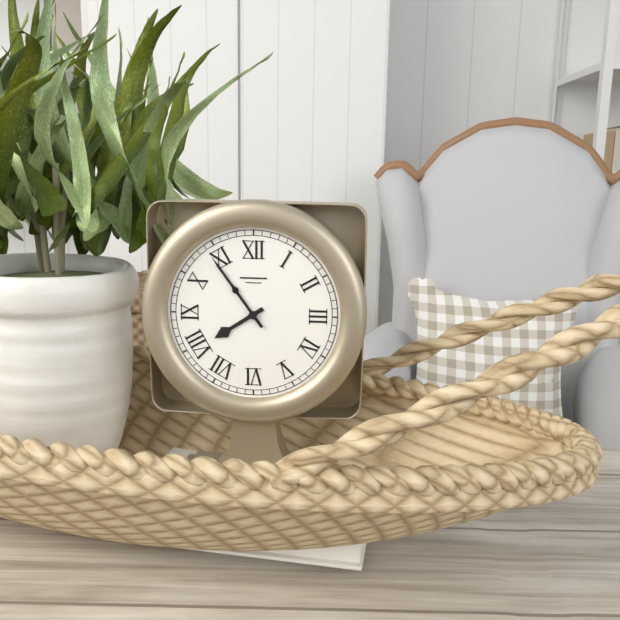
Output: 7.54
